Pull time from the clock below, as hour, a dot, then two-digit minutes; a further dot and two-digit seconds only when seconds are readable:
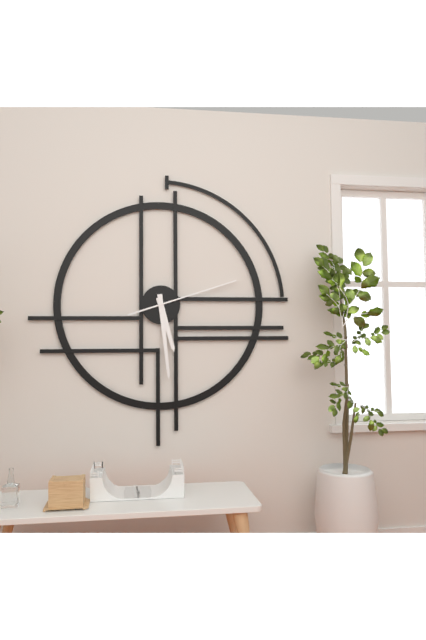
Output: 5.29.12
